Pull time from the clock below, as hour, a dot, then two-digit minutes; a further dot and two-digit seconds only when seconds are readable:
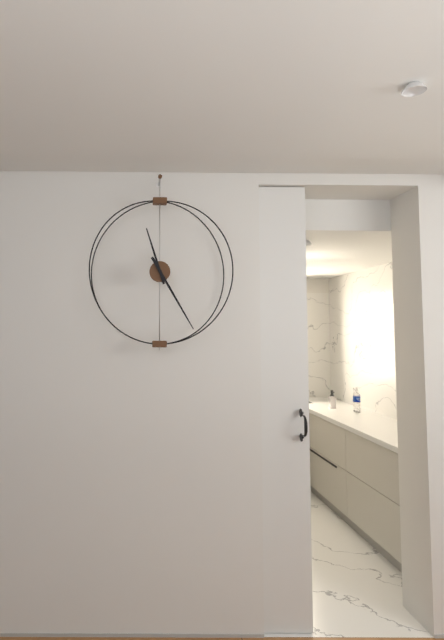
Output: 11.25
